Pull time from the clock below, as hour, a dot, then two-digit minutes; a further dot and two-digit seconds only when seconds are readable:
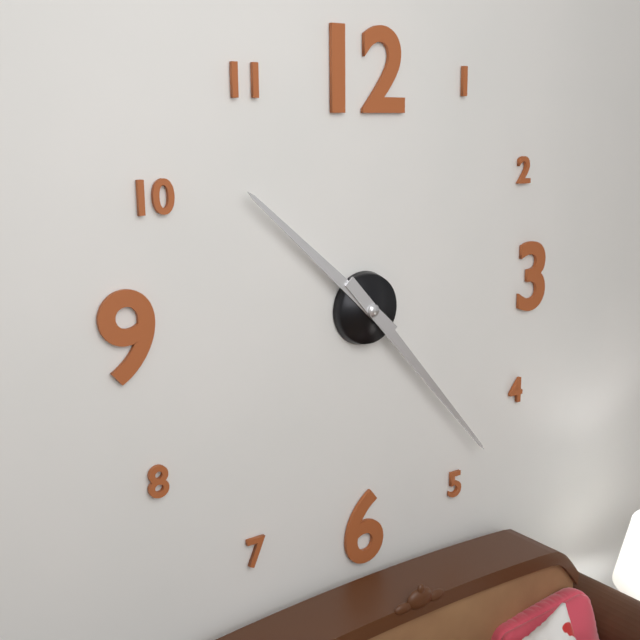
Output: 10.23
